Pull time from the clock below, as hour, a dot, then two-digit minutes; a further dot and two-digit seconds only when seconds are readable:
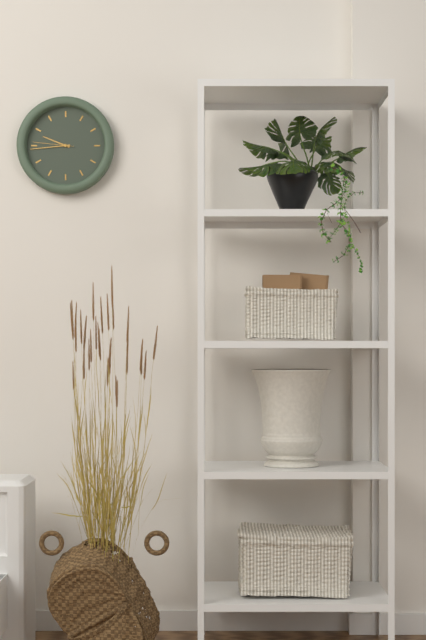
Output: 9.44
